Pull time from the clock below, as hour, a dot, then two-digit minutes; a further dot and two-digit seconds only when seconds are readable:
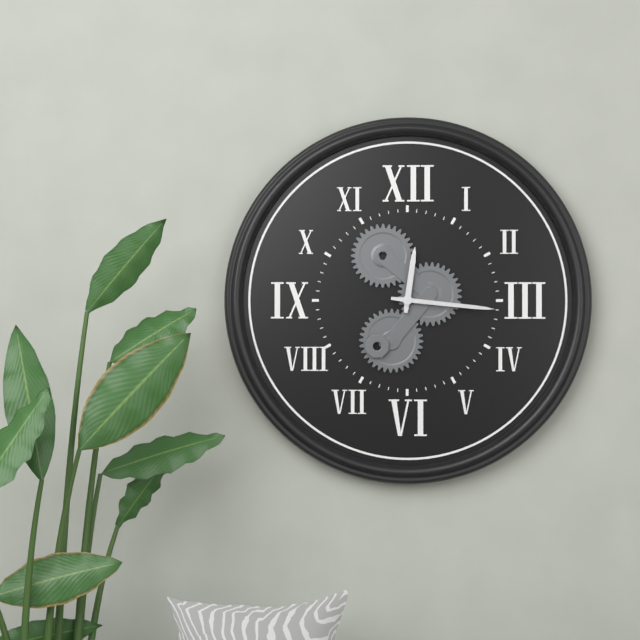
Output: 12.16
